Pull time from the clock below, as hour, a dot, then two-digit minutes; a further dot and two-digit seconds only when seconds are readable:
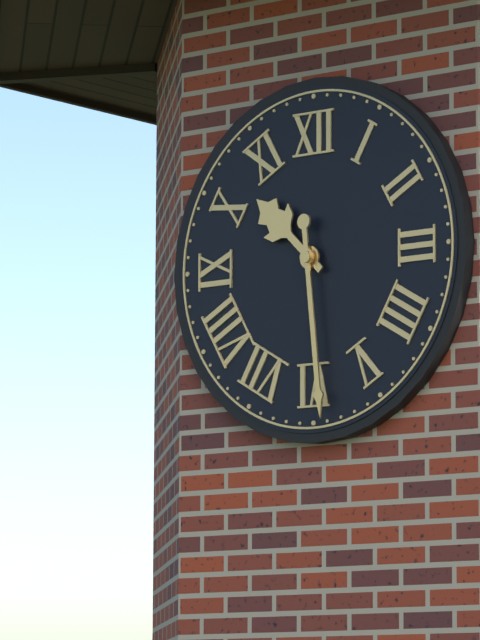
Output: 10.29
